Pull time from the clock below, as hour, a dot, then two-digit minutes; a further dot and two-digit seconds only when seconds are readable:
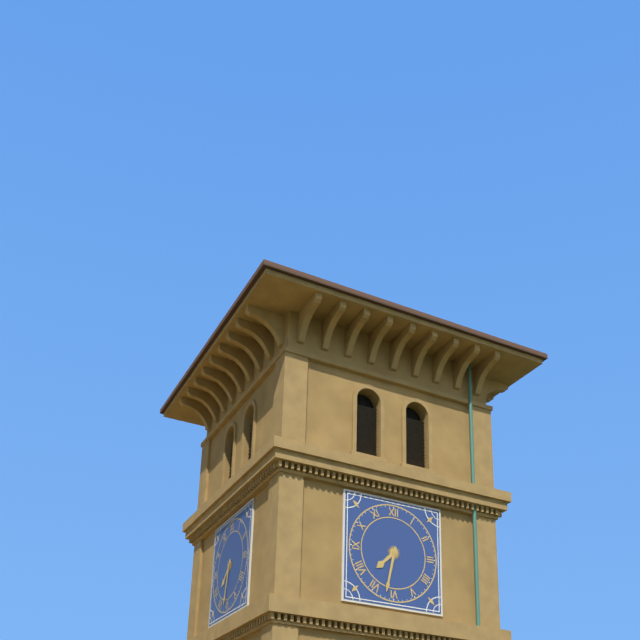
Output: 7.32
